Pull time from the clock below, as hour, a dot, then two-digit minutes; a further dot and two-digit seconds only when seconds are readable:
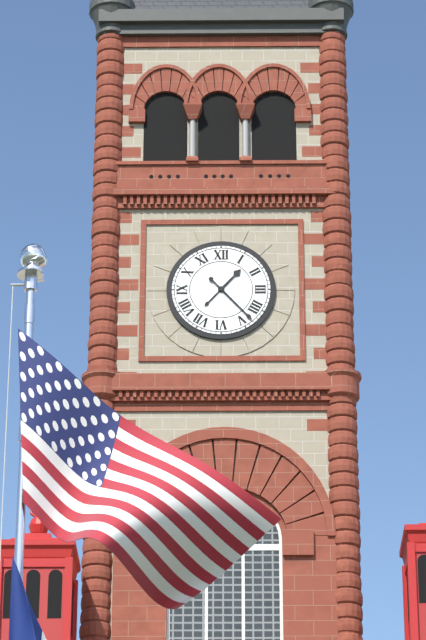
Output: 1.23
